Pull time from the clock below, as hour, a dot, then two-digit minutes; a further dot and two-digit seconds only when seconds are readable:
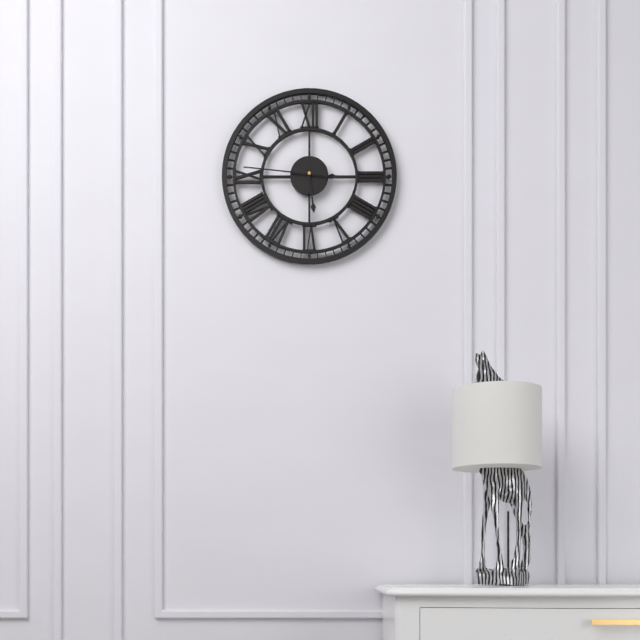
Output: 5.46
